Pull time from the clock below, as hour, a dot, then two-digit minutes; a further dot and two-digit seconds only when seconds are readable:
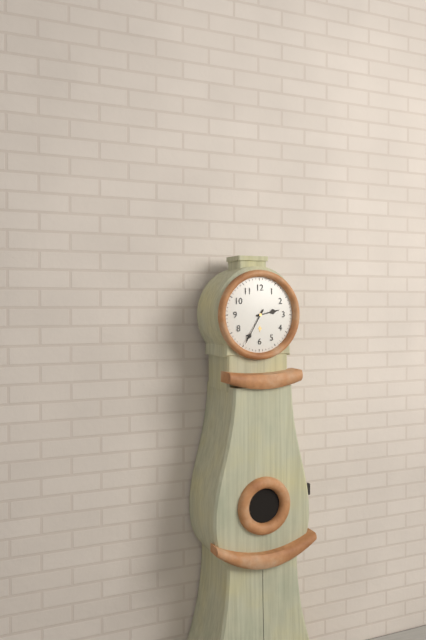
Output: 2.35
